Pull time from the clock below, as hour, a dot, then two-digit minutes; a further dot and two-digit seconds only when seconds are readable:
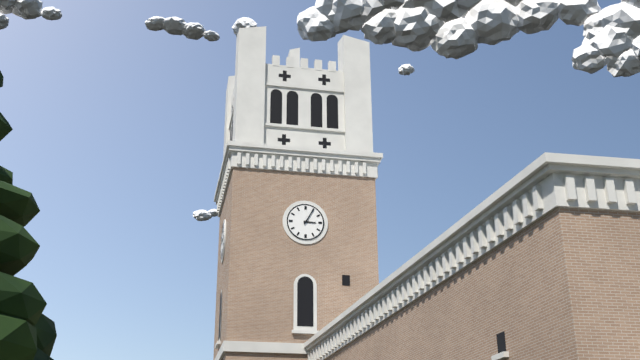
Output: 3.05
